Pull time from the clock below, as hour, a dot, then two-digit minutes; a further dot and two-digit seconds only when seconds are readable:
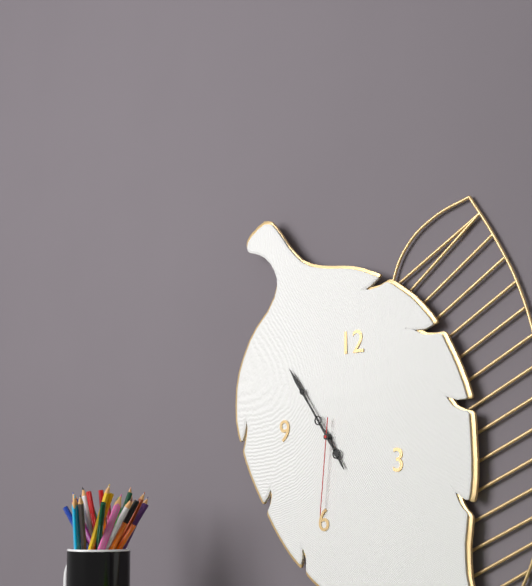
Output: 4.54.31
